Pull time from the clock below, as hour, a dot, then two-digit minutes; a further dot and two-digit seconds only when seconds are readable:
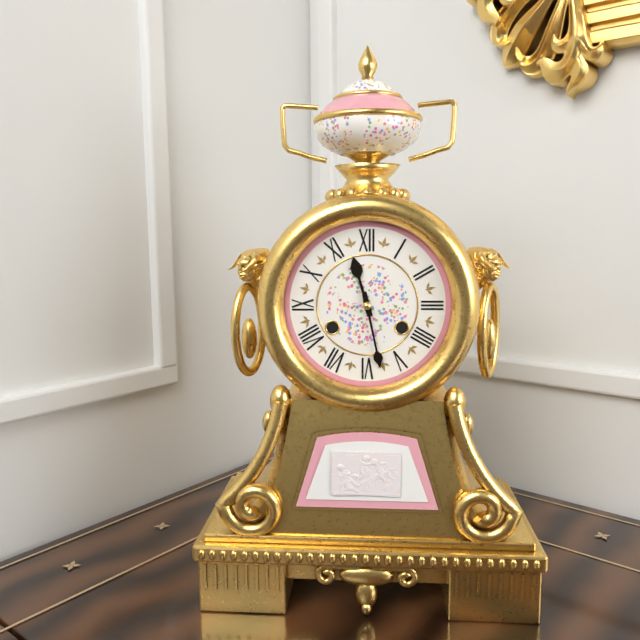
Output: 11.28
